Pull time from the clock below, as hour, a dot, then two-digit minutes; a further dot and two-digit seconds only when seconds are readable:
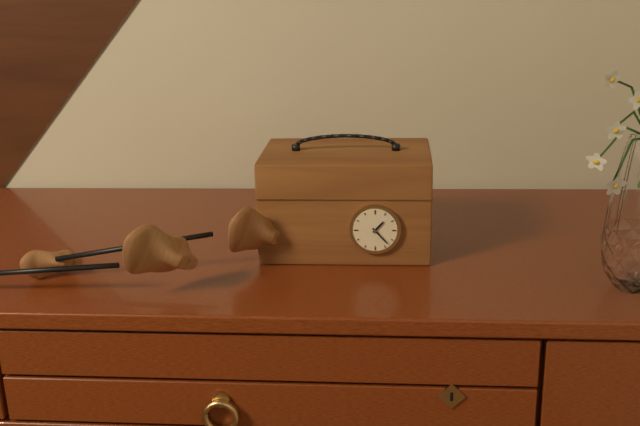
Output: 1.23
